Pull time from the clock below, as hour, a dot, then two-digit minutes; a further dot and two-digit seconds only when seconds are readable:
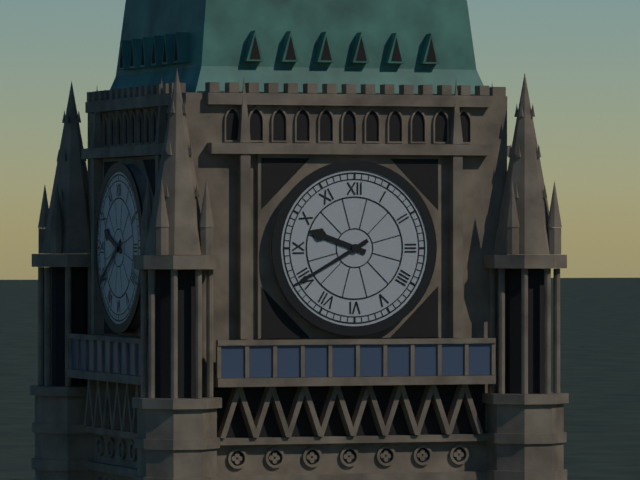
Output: 9.40
